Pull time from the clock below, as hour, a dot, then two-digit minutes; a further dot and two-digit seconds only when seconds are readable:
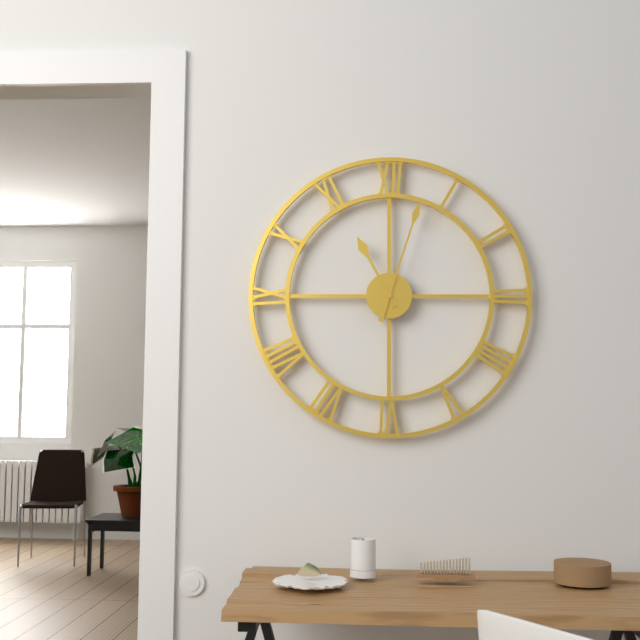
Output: 11.03
